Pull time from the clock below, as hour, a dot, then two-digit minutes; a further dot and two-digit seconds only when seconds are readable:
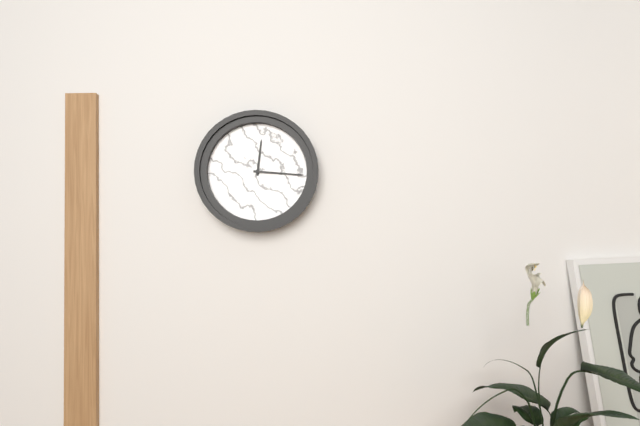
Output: 12.16
